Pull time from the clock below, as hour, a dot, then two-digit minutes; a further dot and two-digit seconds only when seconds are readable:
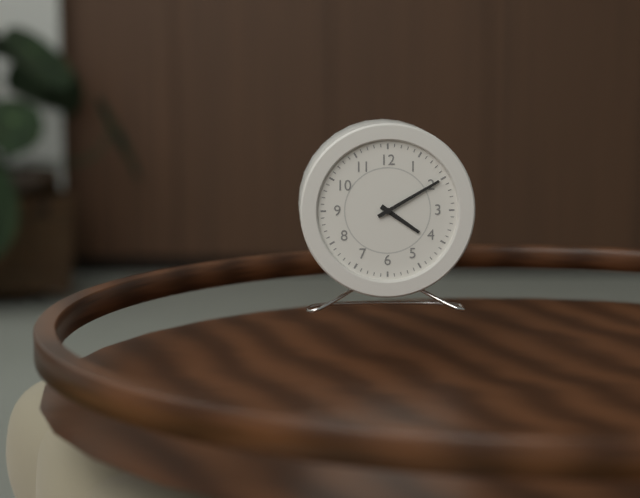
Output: 4.10
